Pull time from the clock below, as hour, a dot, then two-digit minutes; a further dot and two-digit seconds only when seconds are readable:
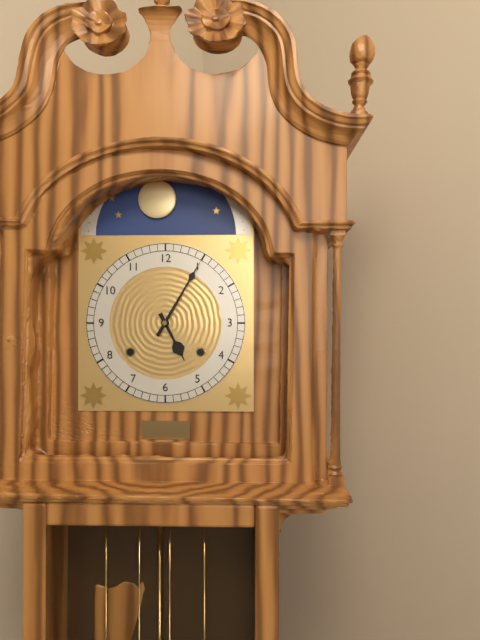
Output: 5.05
